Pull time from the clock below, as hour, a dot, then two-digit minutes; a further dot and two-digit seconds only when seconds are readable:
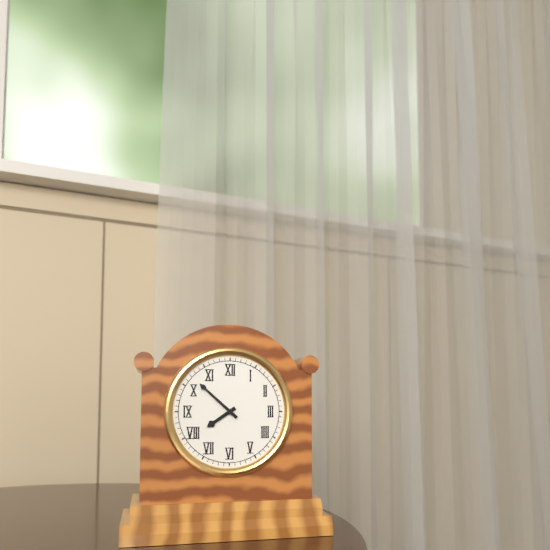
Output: 7.52
